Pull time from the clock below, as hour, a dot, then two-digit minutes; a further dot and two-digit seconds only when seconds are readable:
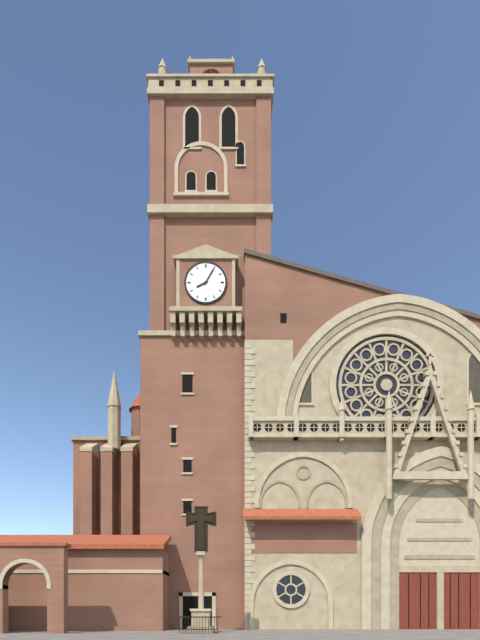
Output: 8.05
